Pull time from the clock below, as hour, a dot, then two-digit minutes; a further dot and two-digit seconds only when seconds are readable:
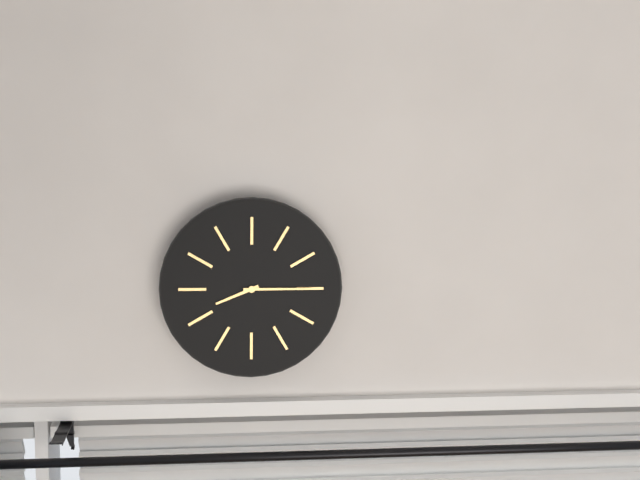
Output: 8.15
